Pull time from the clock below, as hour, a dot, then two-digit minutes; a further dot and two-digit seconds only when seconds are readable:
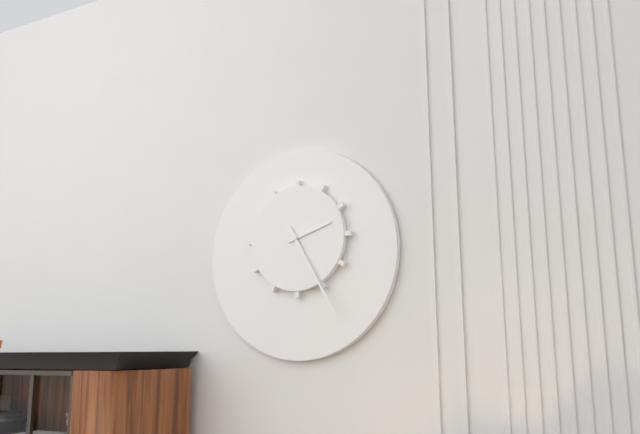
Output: 2.25
